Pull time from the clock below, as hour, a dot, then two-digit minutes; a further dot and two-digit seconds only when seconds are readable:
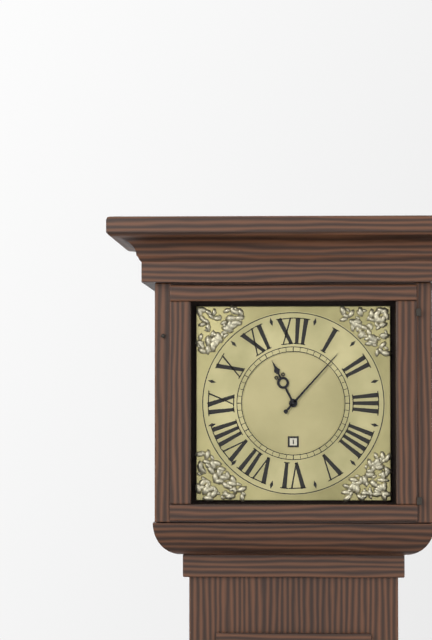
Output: 11.07
